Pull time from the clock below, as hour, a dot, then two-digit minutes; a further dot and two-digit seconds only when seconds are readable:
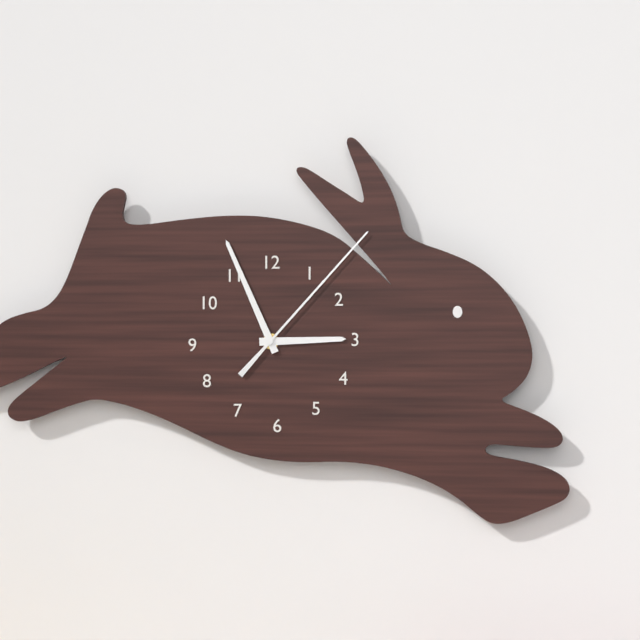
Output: 2.56.07
